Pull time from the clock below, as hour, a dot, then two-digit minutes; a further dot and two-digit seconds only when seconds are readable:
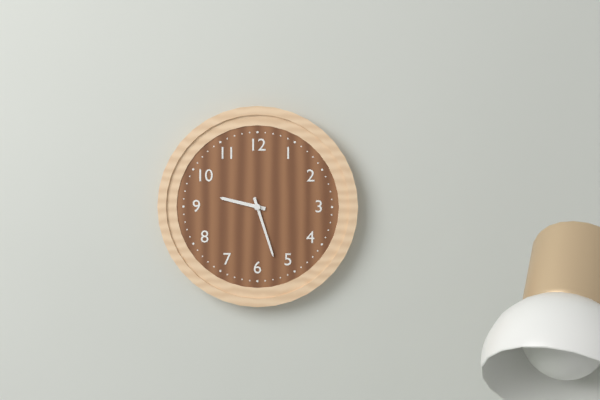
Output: 9.27
